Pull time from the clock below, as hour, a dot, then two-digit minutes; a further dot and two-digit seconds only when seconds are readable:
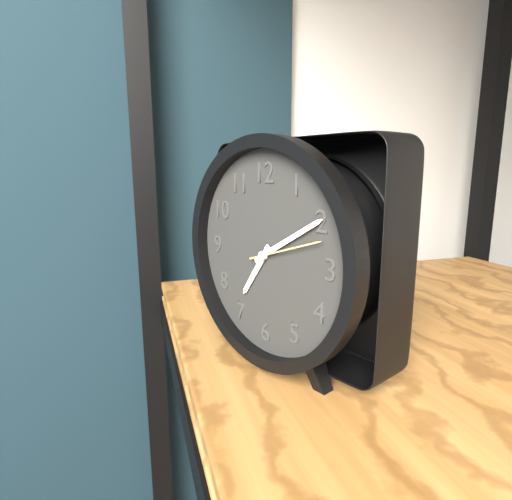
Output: 7.10.12
